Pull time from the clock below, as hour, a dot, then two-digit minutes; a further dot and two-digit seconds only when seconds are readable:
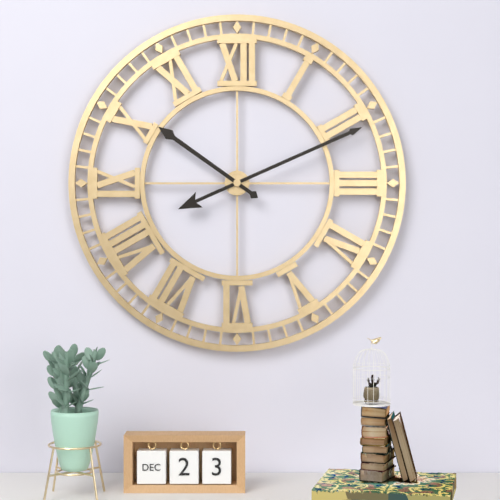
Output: 10.11
